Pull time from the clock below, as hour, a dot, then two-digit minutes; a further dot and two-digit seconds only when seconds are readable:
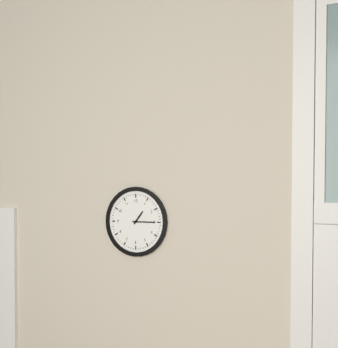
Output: 1.15
